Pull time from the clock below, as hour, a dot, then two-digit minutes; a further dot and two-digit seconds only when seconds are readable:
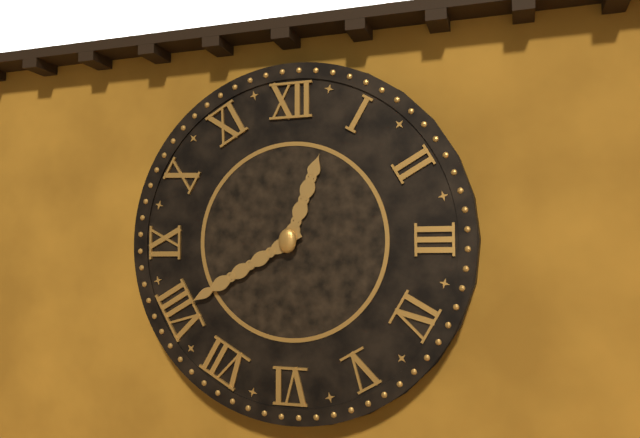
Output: 12.40
